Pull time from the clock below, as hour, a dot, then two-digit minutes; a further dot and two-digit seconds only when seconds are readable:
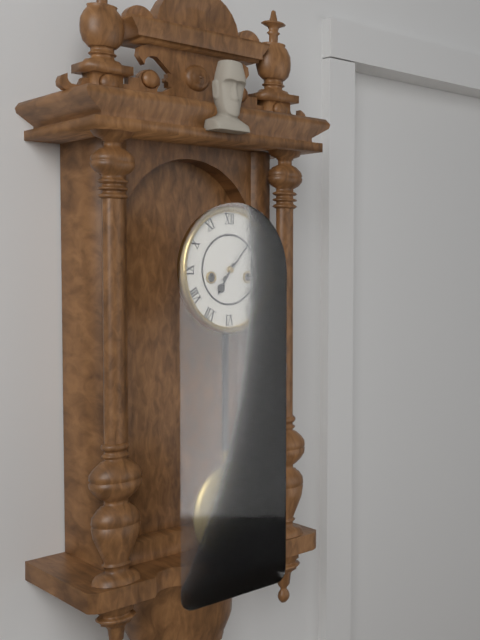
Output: 7.07
